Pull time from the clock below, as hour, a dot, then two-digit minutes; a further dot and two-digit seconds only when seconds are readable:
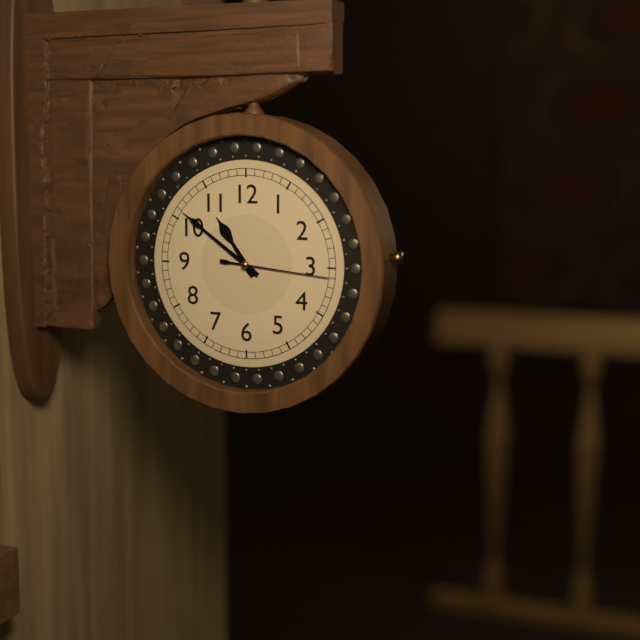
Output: 10.51.16
